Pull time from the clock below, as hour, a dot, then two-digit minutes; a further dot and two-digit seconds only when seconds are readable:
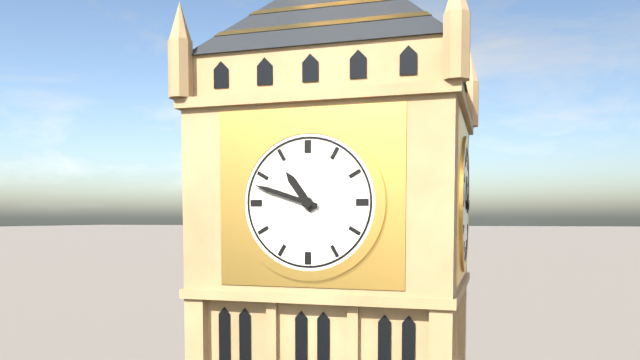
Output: 10.48
